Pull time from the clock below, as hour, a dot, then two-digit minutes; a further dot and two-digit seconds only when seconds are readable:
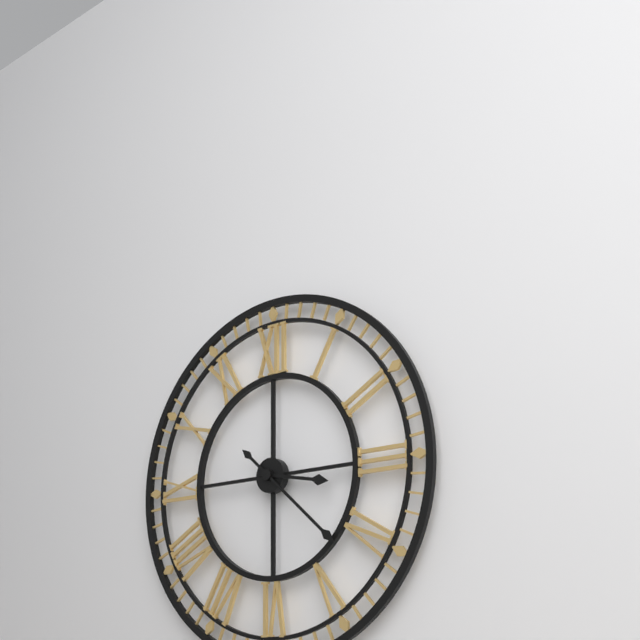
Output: 3.22
